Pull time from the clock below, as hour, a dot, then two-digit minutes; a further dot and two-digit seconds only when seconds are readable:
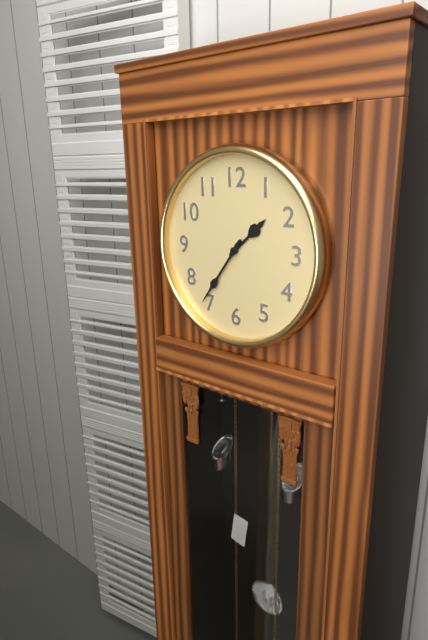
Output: 1.36
